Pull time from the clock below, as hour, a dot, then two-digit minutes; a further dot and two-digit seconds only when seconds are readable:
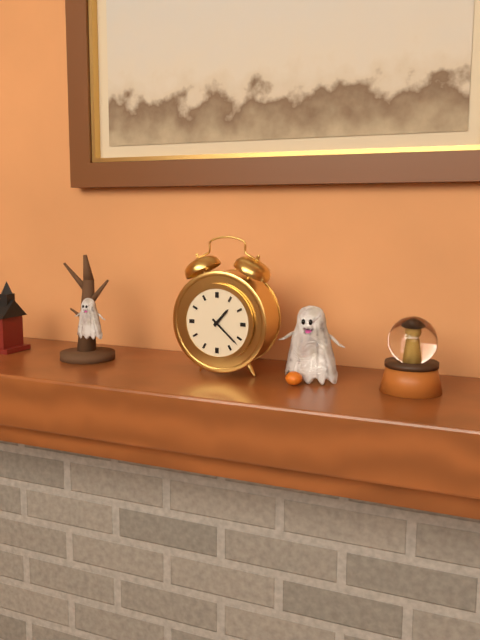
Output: 1.22
